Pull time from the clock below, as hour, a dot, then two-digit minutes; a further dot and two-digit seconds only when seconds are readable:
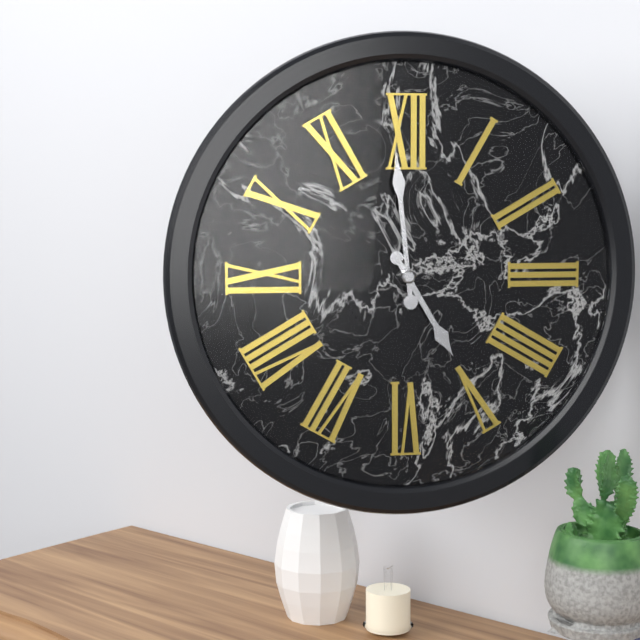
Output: 4.59
